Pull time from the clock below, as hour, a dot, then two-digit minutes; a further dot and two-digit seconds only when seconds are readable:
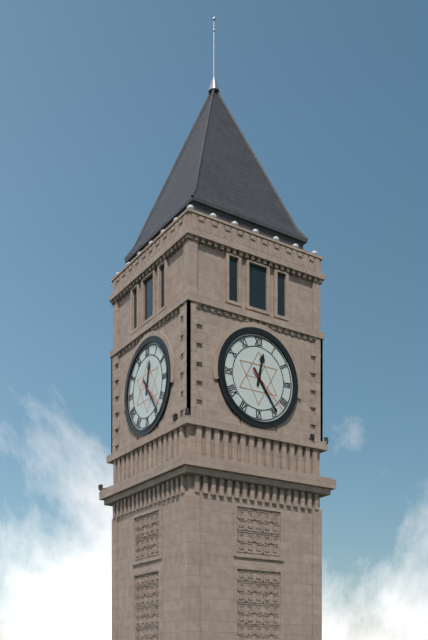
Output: 12.24.22
